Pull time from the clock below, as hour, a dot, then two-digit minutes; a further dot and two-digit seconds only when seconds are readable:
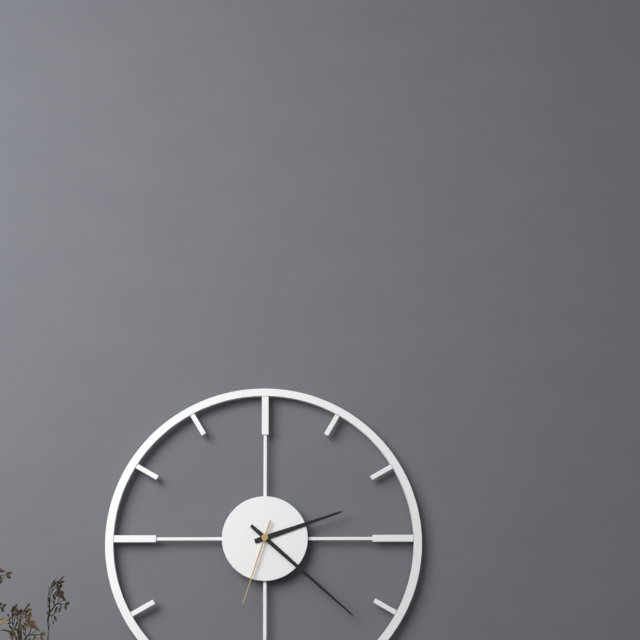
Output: 2.22.33
